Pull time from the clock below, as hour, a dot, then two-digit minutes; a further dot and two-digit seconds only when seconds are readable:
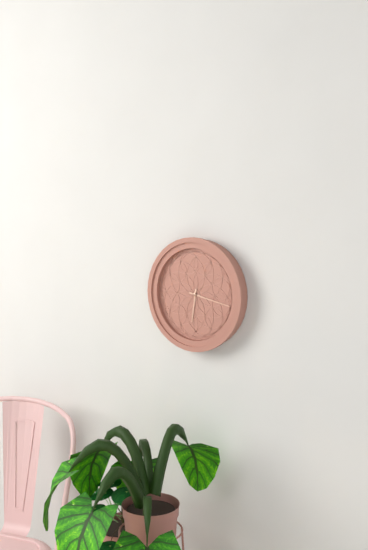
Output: 6.17
